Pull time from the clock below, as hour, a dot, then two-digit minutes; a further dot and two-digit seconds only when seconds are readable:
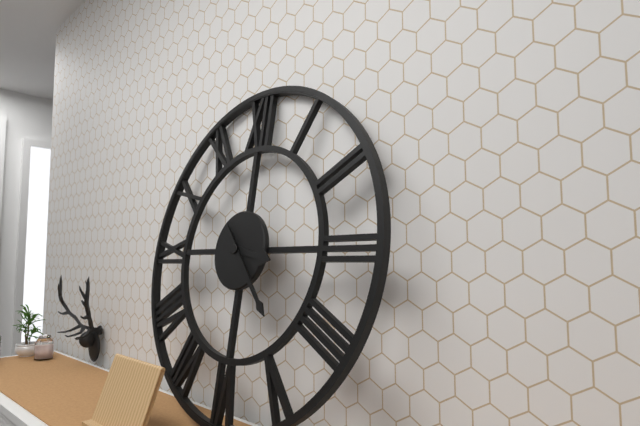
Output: 3.23
